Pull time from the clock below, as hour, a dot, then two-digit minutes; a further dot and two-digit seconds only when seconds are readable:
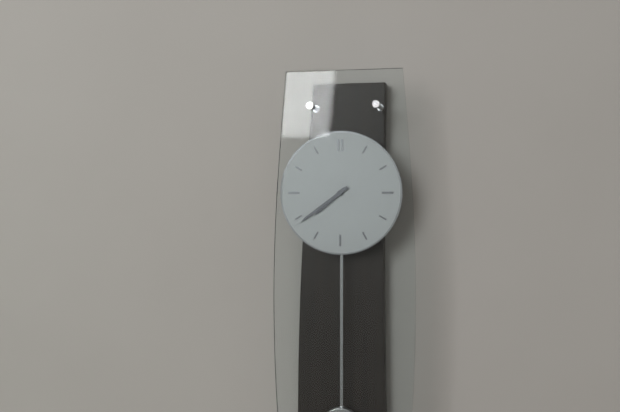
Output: 7.39
